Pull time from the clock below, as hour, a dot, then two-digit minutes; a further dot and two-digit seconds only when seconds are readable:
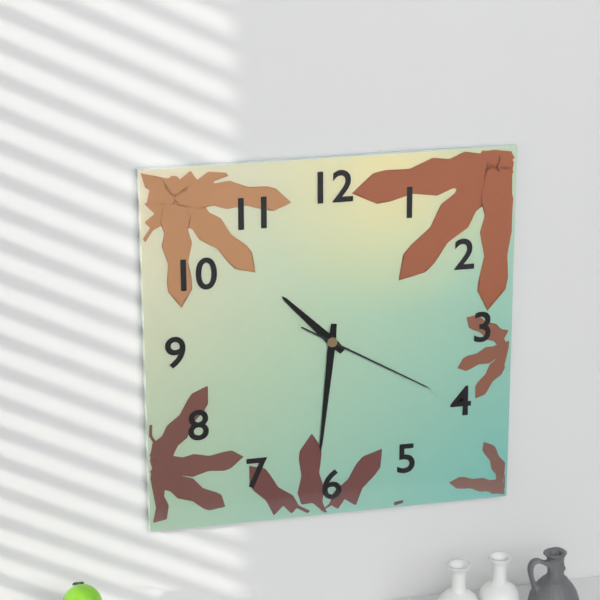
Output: 10.31.20
